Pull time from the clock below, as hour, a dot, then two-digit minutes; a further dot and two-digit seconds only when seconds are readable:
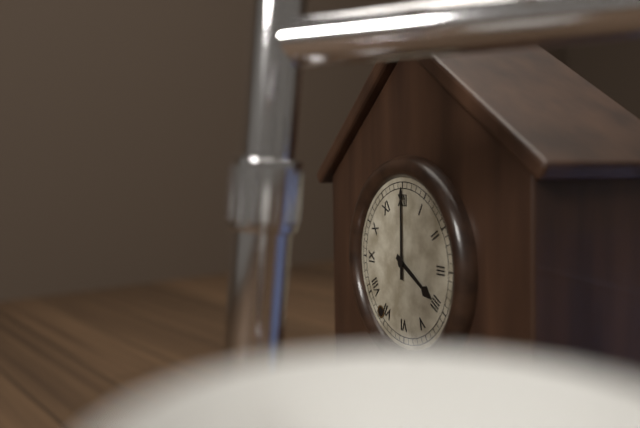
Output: 4.00
